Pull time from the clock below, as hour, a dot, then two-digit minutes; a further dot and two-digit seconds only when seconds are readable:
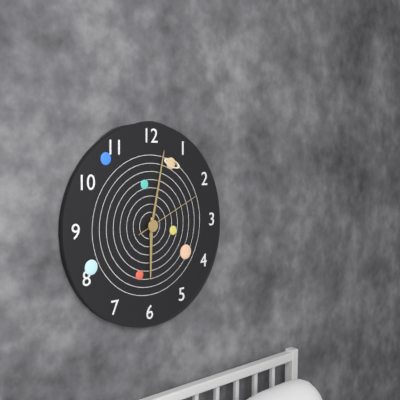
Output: 6.02.11
